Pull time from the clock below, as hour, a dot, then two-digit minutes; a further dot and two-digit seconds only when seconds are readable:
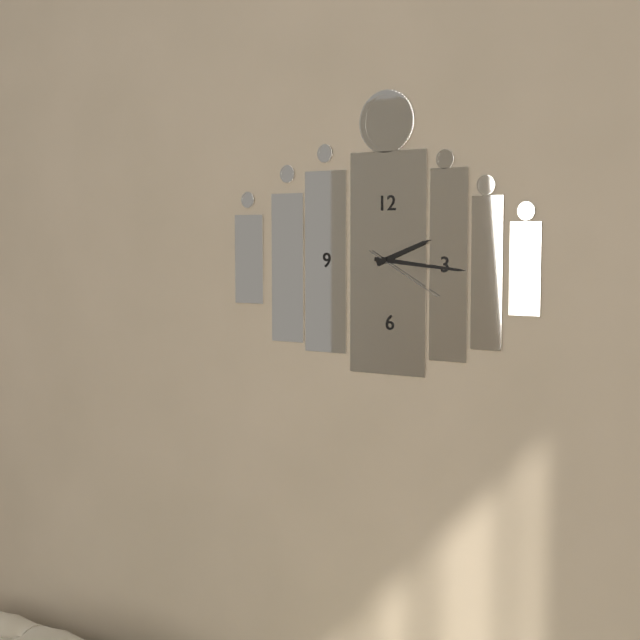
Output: 2.16.20
